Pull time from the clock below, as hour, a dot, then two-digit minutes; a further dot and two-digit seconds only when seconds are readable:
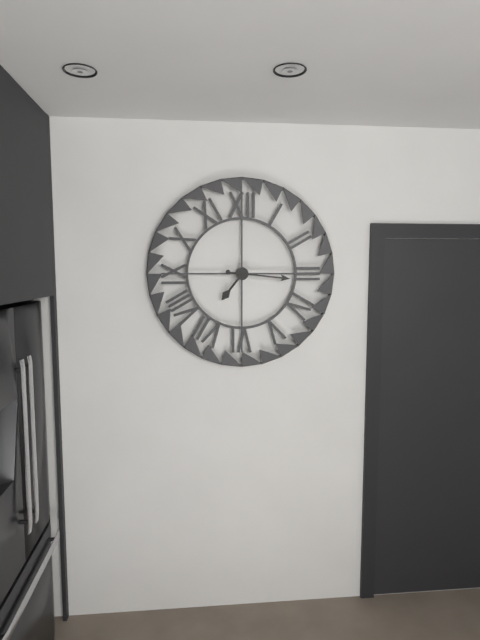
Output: 7.16
